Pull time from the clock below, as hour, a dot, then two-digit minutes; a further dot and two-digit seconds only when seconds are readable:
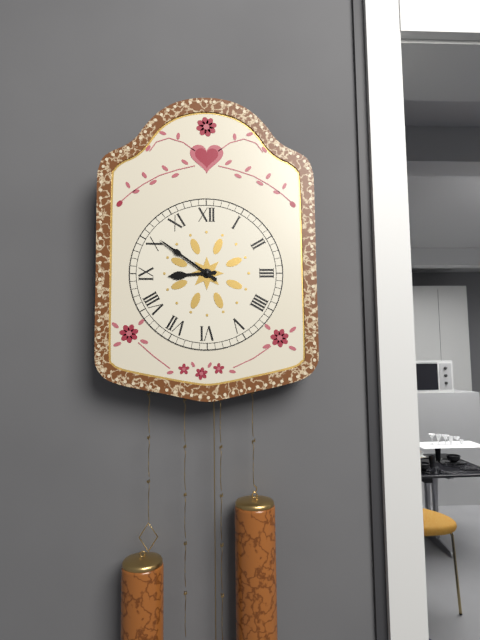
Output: 8.51
